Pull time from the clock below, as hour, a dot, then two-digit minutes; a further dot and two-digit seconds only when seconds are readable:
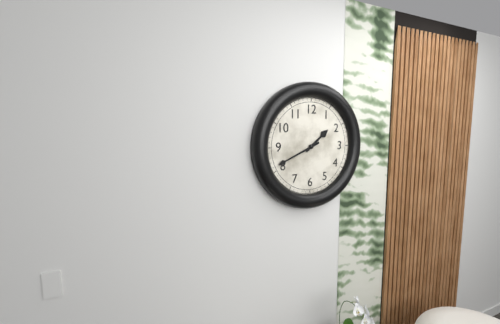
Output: 1.41
